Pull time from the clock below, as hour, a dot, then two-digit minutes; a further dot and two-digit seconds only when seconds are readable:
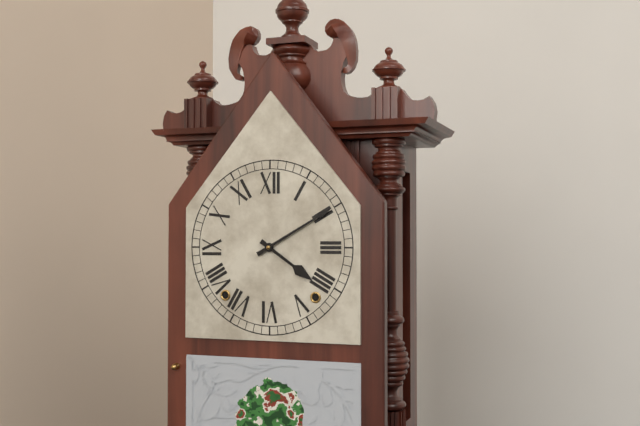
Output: 4.10
